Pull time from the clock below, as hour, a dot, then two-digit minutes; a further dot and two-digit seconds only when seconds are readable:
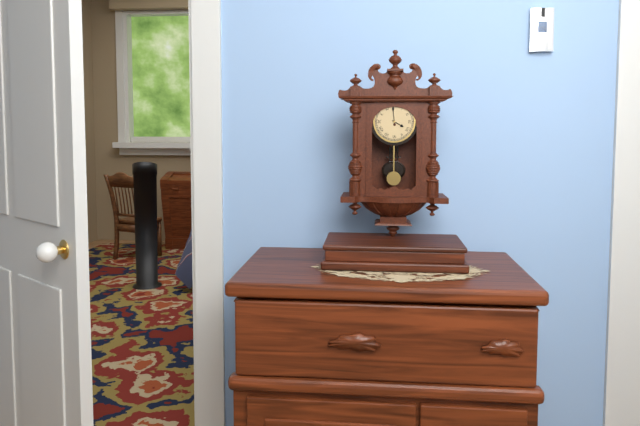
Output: 3.59
